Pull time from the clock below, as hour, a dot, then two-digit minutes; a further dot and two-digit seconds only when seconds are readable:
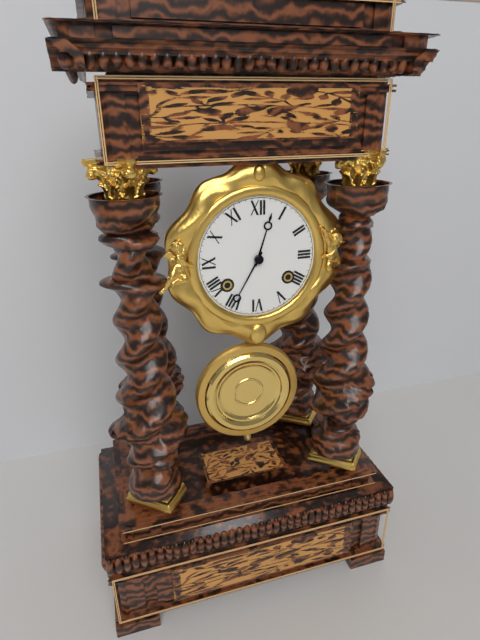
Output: 12.35
